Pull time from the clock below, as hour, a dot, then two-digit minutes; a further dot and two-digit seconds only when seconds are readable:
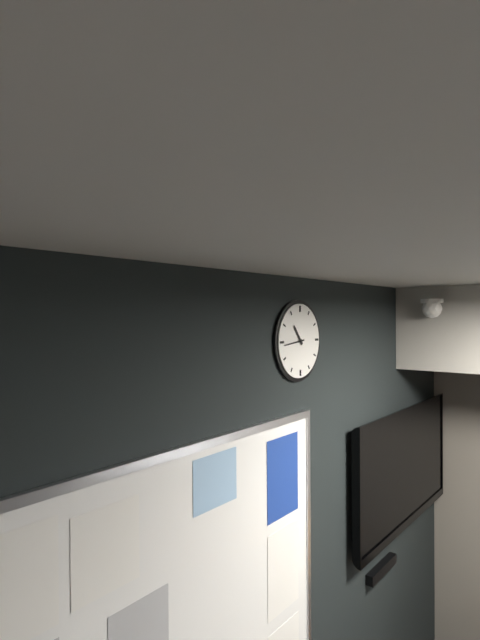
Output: 10.44
